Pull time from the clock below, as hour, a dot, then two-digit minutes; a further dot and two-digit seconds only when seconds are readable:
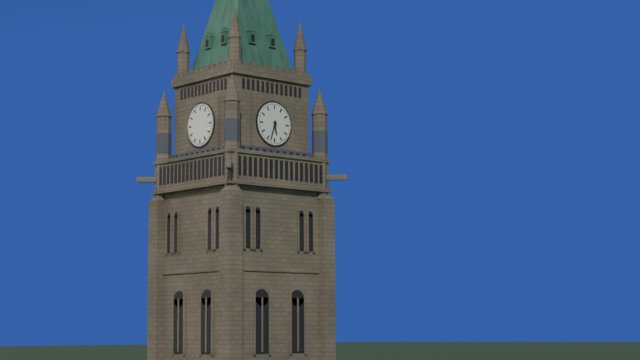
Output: 5.33
